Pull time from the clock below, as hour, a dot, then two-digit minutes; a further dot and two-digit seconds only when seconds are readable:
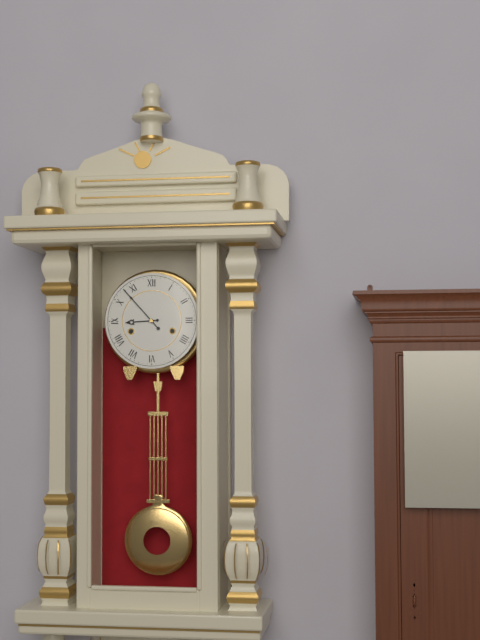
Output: 8.53
